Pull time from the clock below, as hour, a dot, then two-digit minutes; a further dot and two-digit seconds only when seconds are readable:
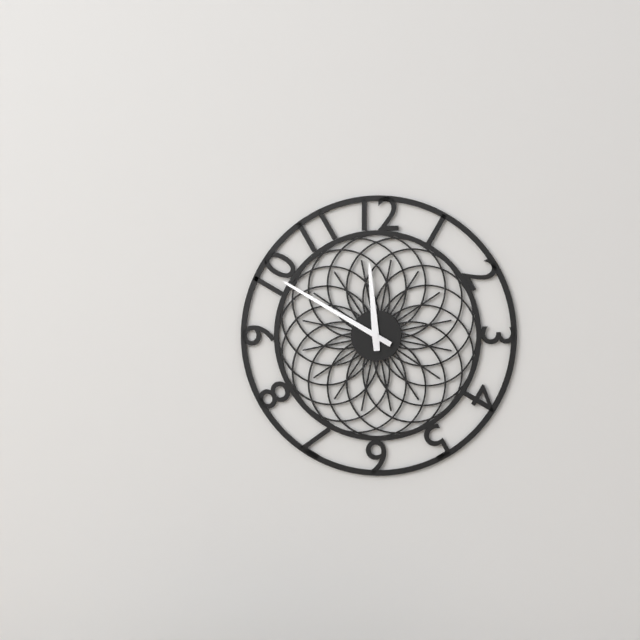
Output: 11.50
